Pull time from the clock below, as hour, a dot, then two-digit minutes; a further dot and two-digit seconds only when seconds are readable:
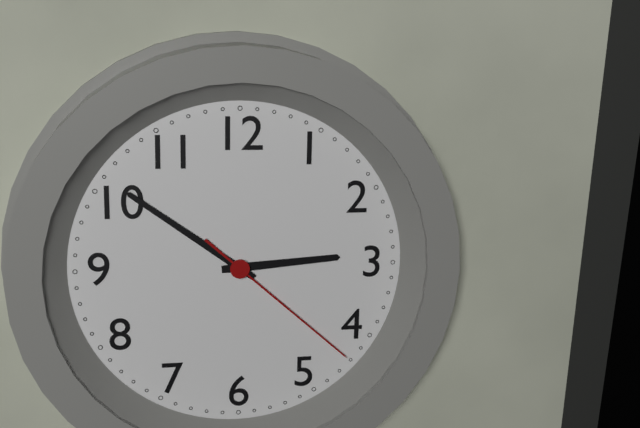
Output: 2.51.22
